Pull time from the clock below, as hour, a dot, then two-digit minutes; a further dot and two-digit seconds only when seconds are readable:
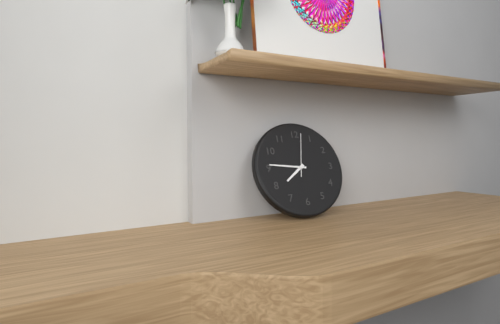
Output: 7.46
